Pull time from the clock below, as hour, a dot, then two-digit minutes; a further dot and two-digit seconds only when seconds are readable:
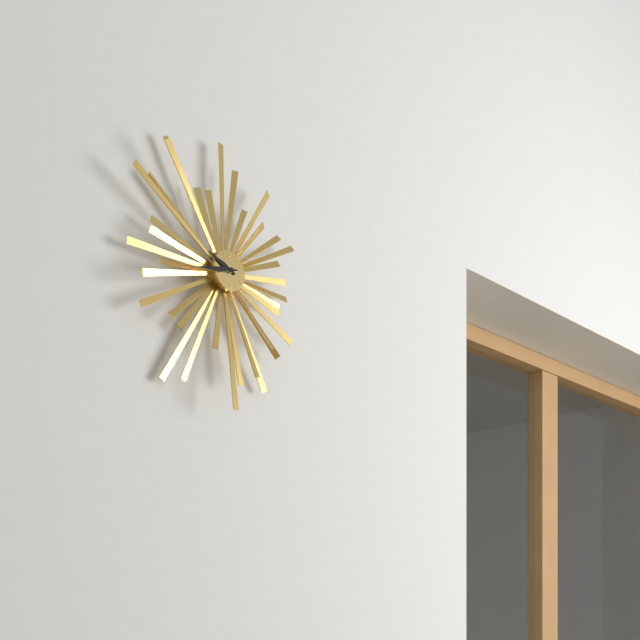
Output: 9.43
